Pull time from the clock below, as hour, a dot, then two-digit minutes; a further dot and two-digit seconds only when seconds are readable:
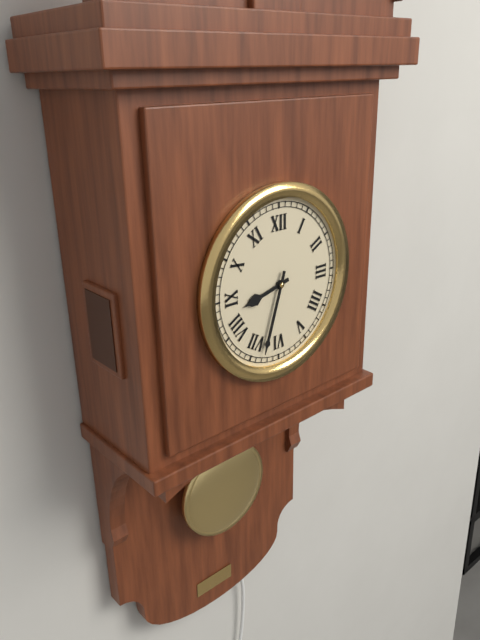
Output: 8.33
